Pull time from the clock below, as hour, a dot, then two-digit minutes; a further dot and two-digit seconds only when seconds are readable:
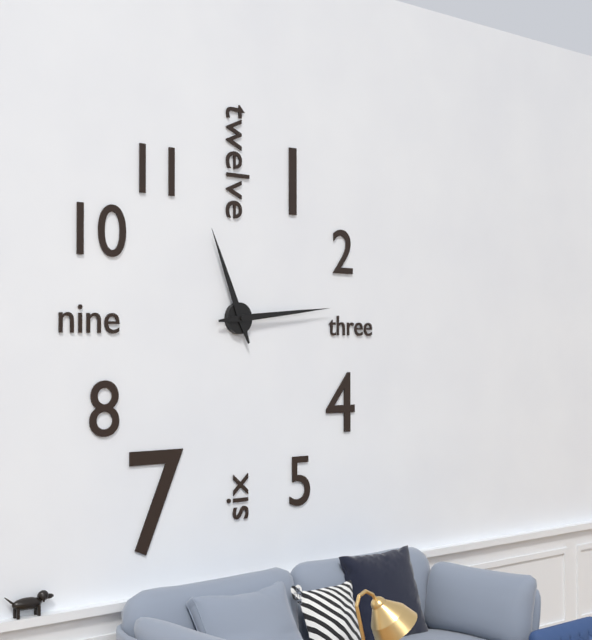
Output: 11.14
